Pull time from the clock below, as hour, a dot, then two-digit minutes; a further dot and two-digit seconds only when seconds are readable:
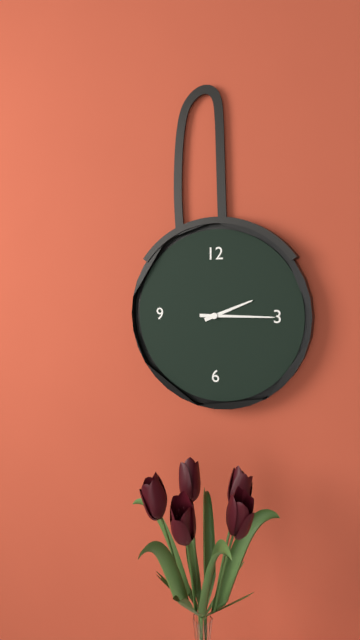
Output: 2.15
